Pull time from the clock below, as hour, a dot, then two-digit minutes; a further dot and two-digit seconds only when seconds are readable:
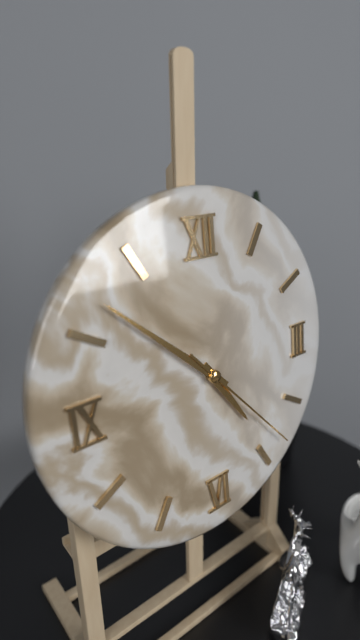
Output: 4.52.23
